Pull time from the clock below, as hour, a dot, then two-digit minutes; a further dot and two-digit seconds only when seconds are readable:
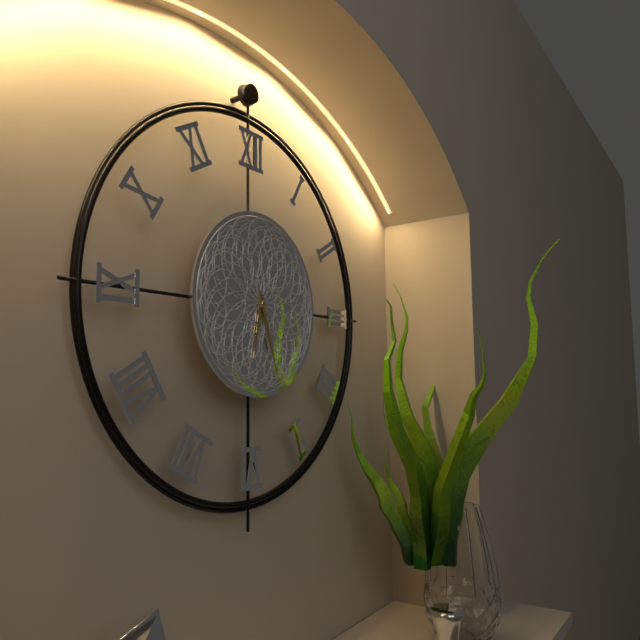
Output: 6.27
